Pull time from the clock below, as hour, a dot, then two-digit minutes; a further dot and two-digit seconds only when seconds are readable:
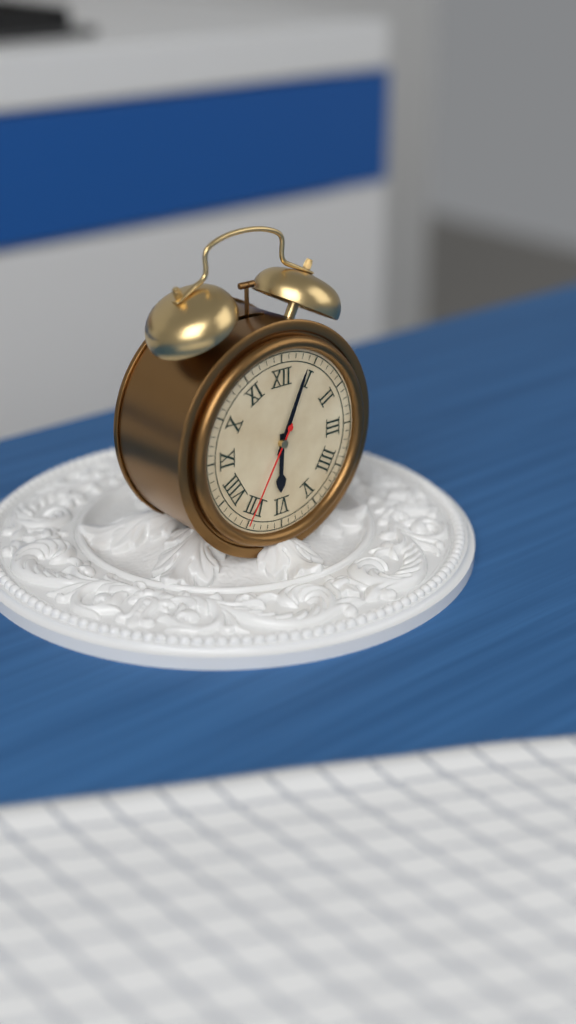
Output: 6.04.35
